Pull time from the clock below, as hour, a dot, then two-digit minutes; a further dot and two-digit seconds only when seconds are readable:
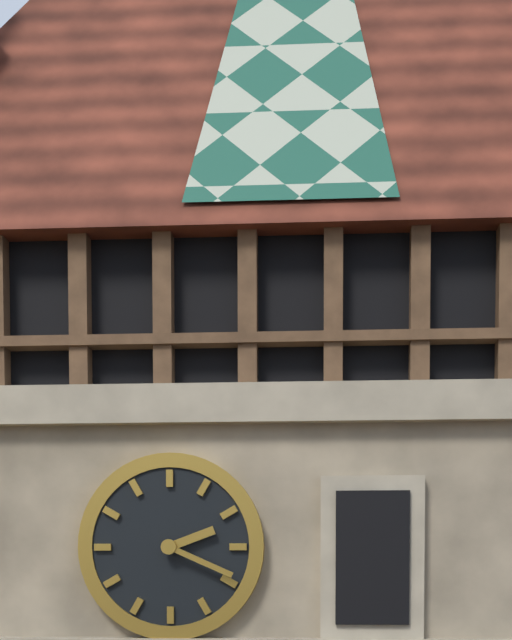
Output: 2.19
